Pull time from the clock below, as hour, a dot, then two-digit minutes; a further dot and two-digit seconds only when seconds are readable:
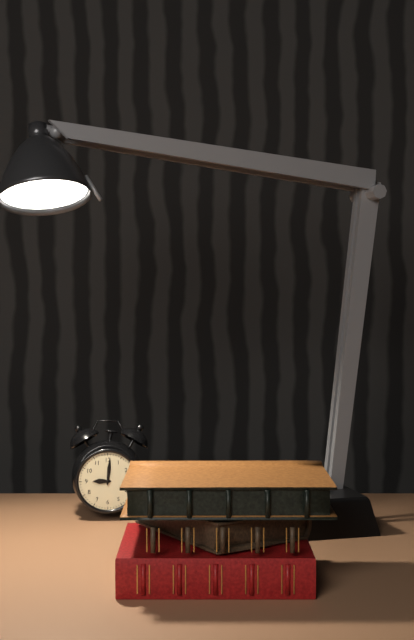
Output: 9.01
